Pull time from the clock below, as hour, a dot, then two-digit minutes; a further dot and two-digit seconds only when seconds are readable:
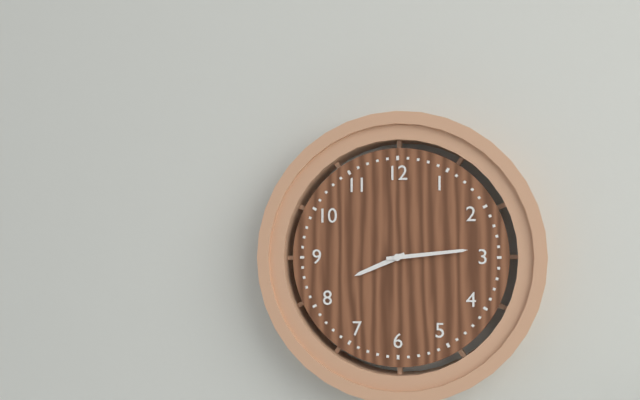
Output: 8.14
